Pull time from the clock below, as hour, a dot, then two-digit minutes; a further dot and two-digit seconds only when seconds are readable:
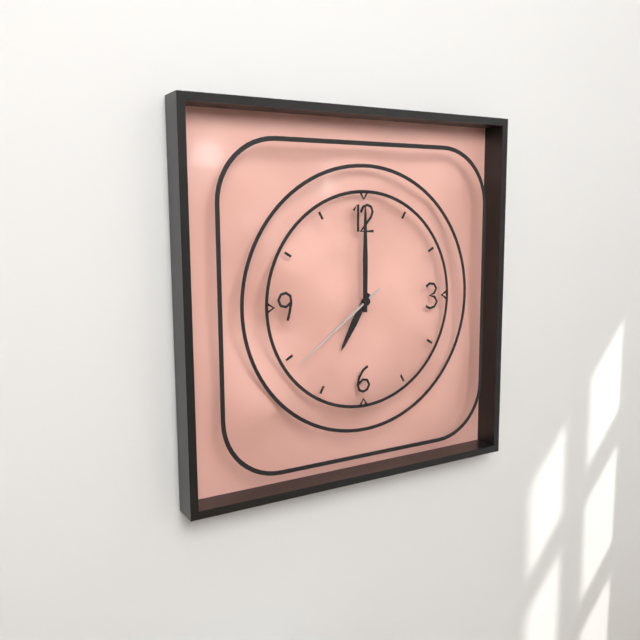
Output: 7.00.39
